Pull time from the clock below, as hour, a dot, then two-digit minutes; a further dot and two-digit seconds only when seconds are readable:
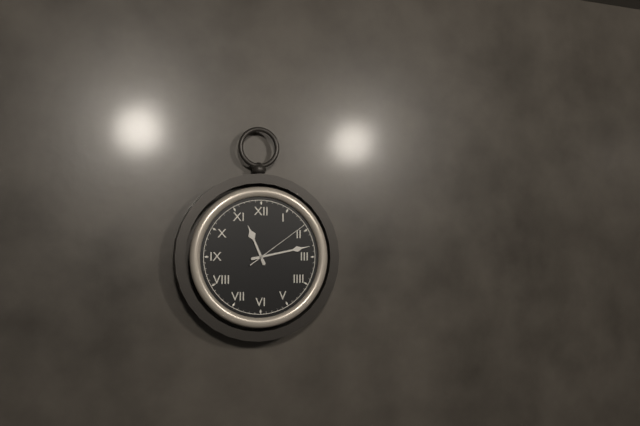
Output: 11.13.09
